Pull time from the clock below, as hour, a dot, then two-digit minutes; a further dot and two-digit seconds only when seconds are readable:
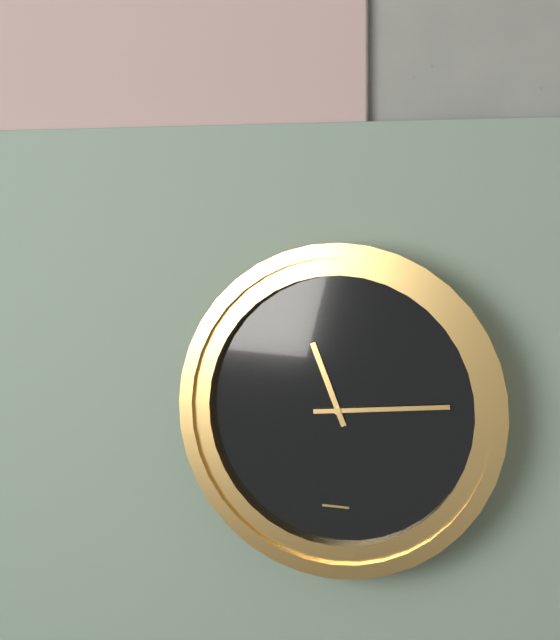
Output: 11.14
